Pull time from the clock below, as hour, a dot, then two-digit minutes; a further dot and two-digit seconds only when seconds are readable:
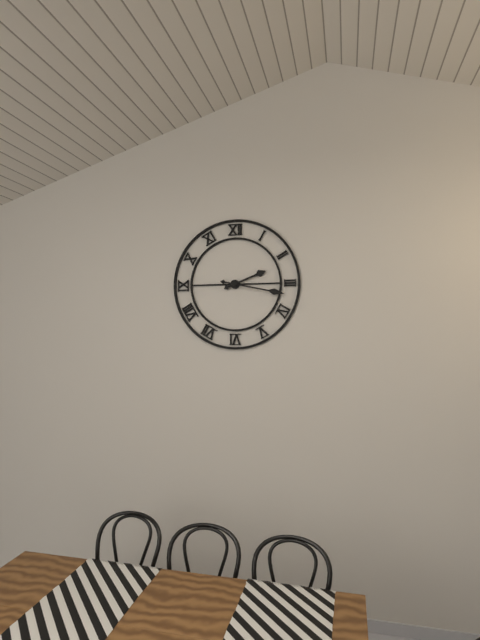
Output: 2.17
